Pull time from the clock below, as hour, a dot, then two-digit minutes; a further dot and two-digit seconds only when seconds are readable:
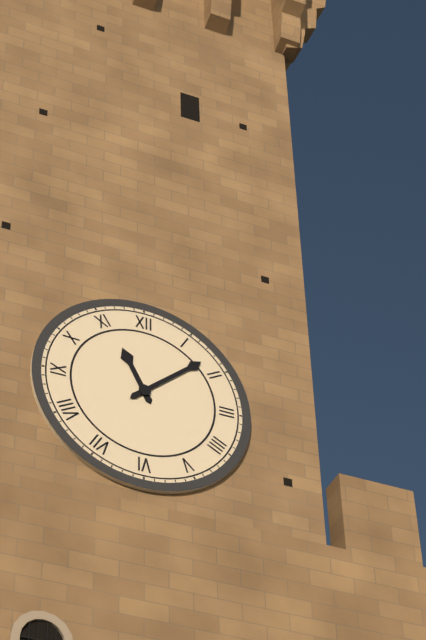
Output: 11.08
